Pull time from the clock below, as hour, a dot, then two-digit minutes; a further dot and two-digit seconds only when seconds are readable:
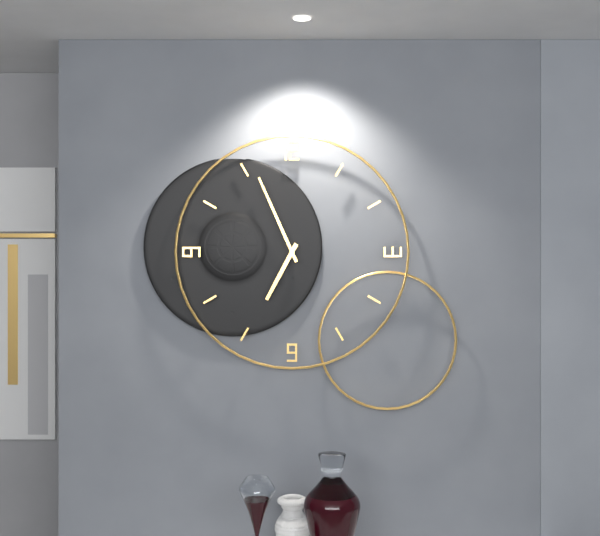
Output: 6.56
